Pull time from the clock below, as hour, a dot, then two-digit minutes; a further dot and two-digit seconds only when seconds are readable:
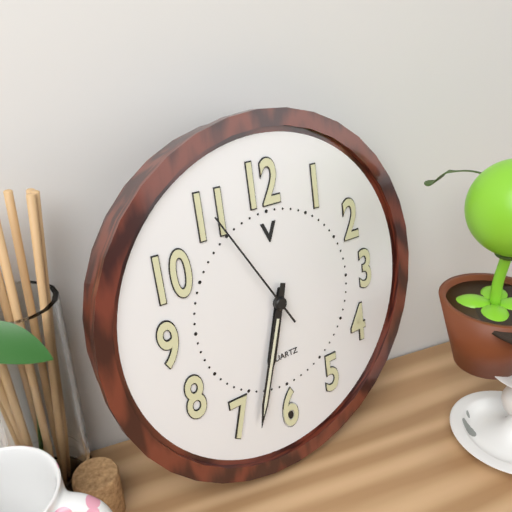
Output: 6.33.55
